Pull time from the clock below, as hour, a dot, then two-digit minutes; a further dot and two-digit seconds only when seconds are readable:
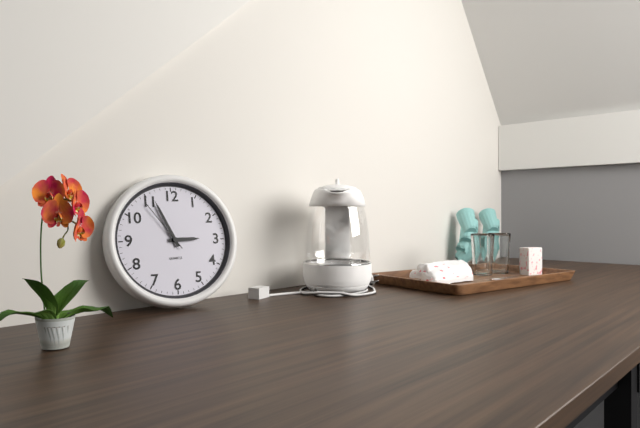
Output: 2.56.54
